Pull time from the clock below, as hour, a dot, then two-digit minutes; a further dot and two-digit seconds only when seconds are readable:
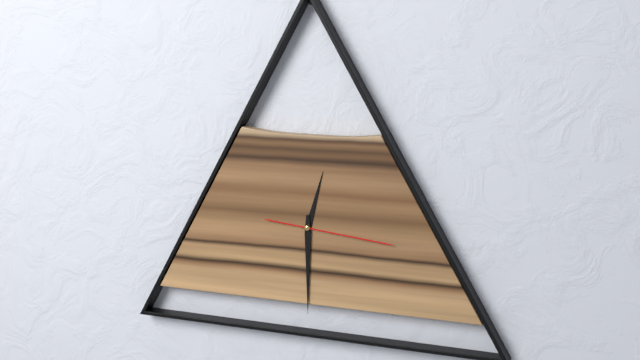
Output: 12.30.16
